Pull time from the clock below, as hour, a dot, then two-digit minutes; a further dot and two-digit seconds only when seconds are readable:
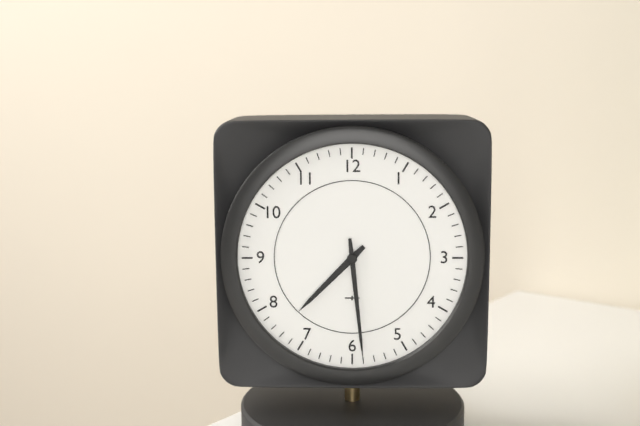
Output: 7.29
